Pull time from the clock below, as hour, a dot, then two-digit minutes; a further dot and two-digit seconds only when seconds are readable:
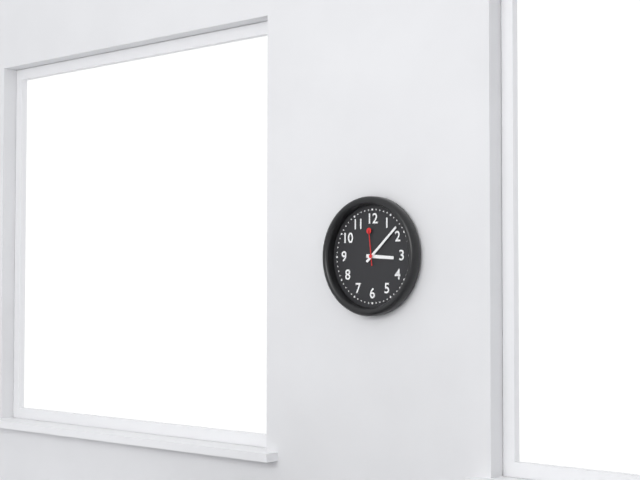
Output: 3.08
